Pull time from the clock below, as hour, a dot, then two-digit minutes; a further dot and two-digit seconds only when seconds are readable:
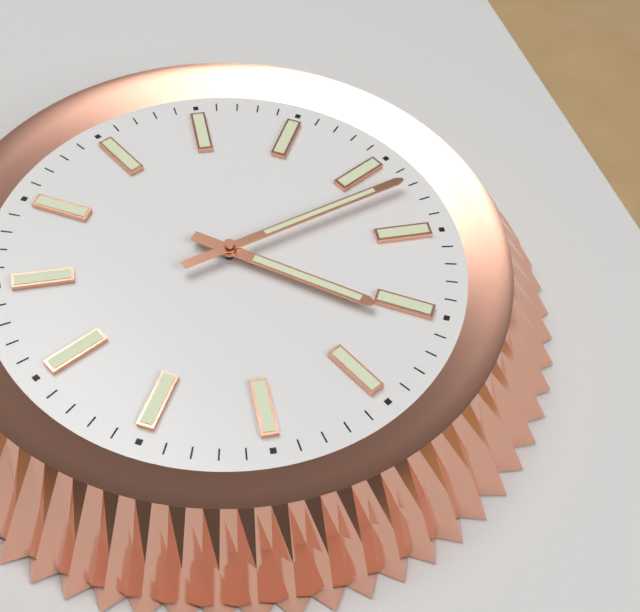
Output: 4.12
